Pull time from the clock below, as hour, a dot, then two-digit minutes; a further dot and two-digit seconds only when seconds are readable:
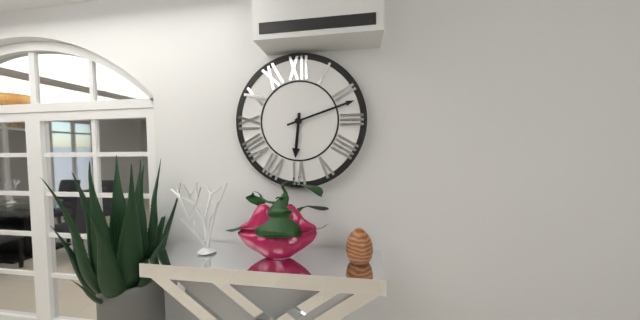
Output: 6.12
